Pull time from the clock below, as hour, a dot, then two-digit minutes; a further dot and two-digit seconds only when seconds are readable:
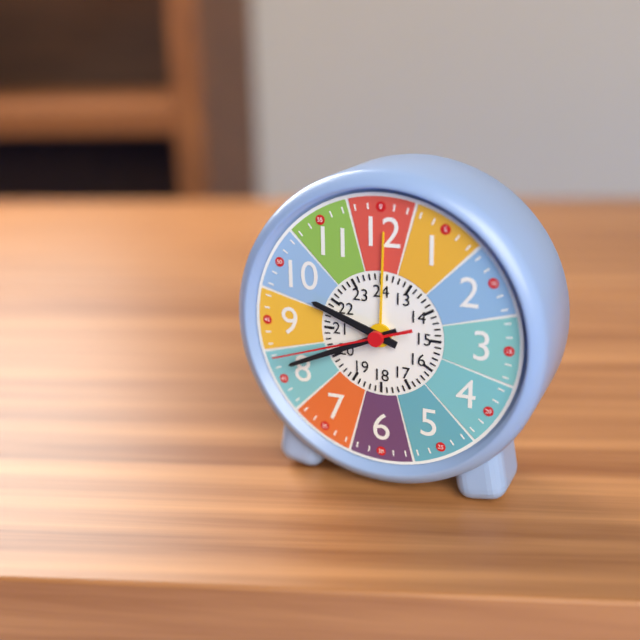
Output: 9.41.42
